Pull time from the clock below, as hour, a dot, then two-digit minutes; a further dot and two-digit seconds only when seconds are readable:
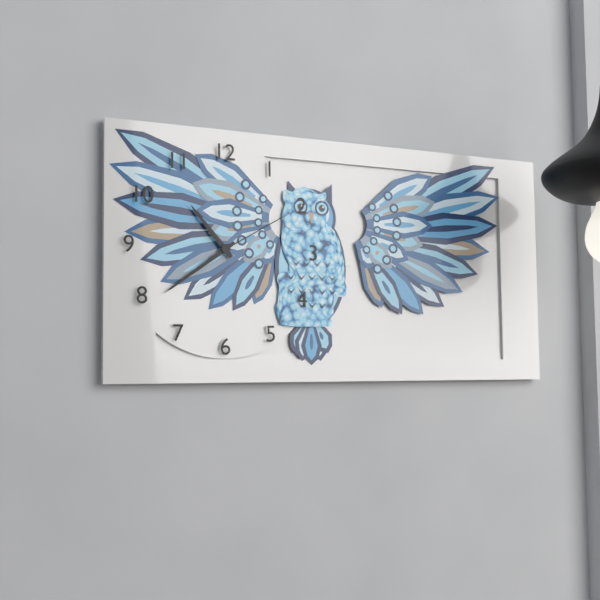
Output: 10.39.10
